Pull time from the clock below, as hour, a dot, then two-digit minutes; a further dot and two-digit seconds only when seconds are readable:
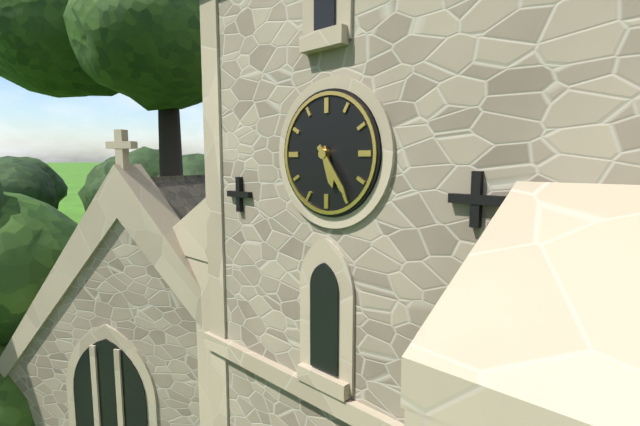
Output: 5.24
